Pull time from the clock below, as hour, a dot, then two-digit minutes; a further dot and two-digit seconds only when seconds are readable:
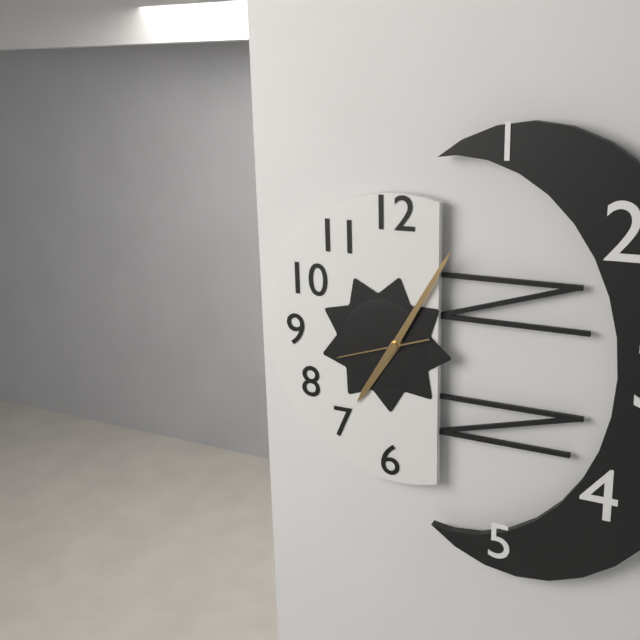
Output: 7.05.42
